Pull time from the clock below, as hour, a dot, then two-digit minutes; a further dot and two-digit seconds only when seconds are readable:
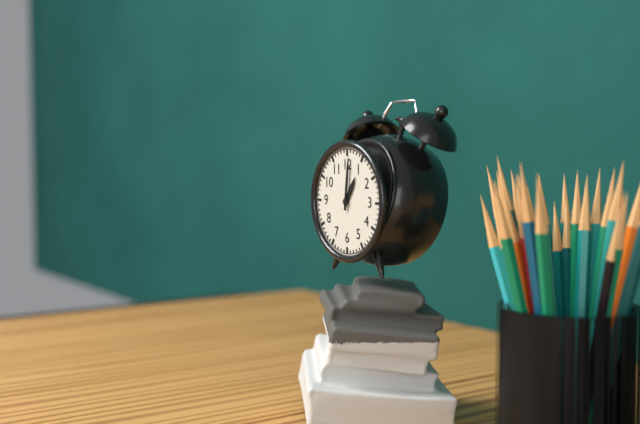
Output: 1.01
